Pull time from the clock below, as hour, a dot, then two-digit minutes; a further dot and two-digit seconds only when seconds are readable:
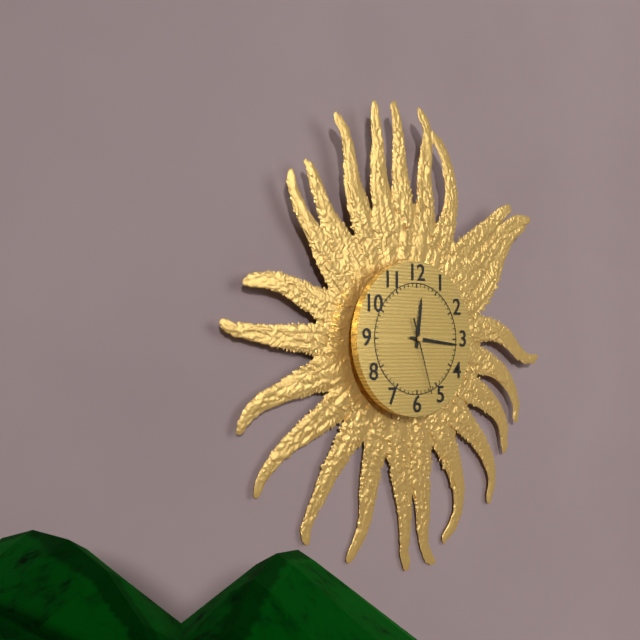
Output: 12.16.27
